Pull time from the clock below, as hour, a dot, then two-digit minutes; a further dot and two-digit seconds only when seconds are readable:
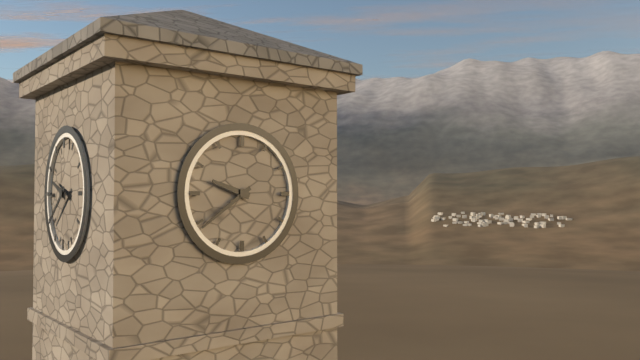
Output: 9.39
